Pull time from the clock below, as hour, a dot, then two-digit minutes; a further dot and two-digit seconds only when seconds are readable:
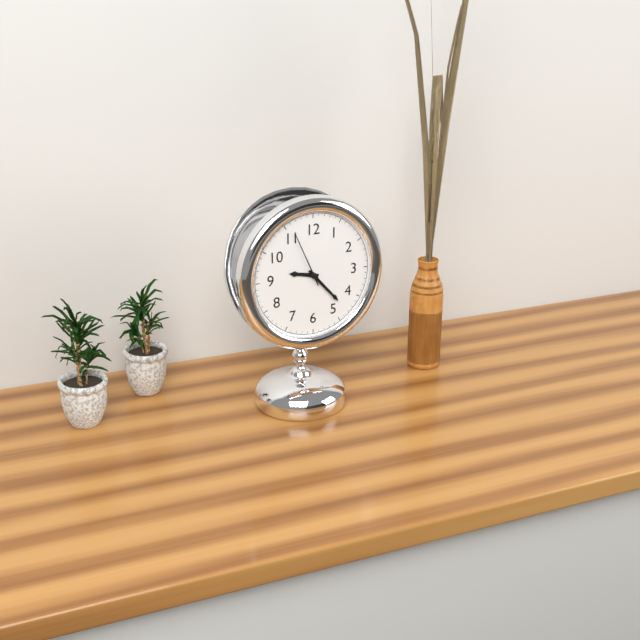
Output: 9.23.56
